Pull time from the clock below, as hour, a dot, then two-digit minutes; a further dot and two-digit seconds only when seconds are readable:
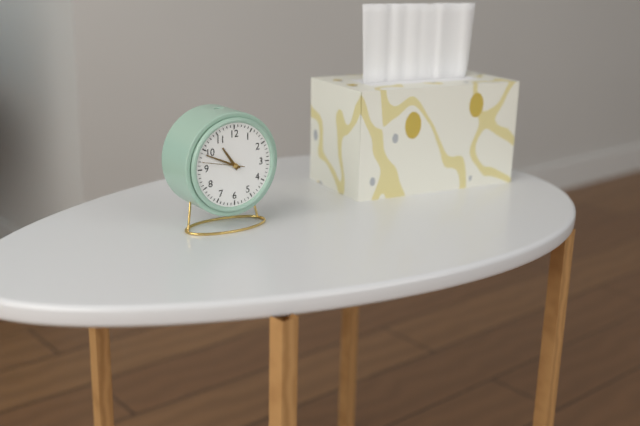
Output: 10.49
